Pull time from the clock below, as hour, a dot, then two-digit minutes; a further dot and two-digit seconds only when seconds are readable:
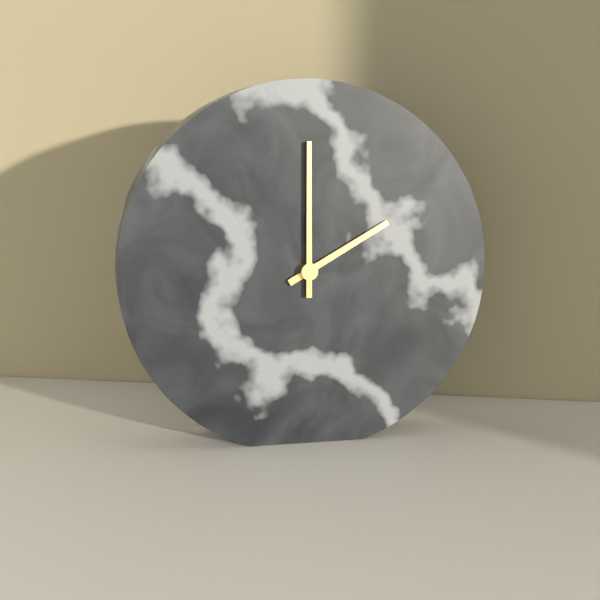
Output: 2.00
